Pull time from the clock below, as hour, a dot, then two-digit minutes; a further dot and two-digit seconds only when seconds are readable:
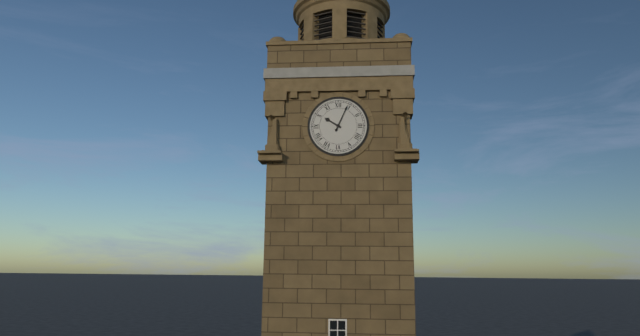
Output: 10.04
